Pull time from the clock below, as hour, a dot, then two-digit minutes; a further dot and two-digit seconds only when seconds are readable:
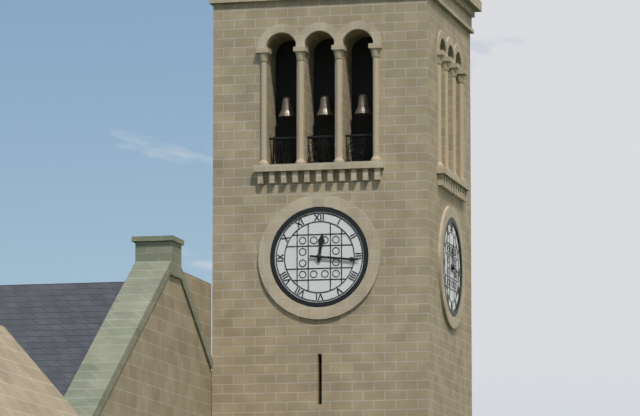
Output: 12.16
